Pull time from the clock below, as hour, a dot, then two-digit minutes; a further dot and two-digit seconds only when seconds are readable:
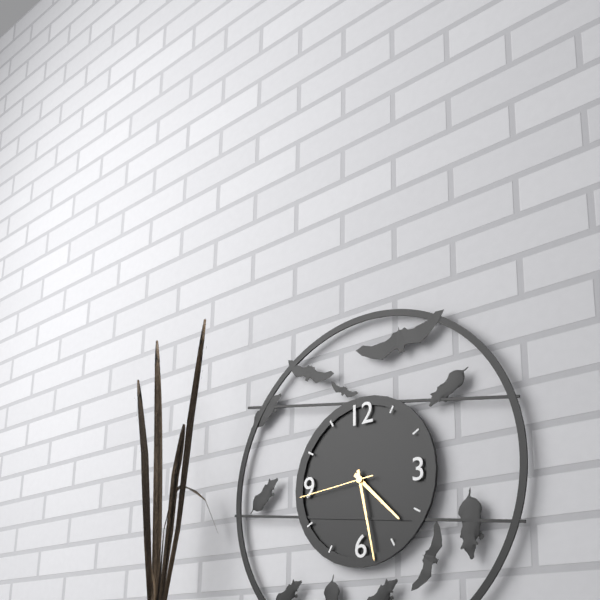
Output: 4.28.44
